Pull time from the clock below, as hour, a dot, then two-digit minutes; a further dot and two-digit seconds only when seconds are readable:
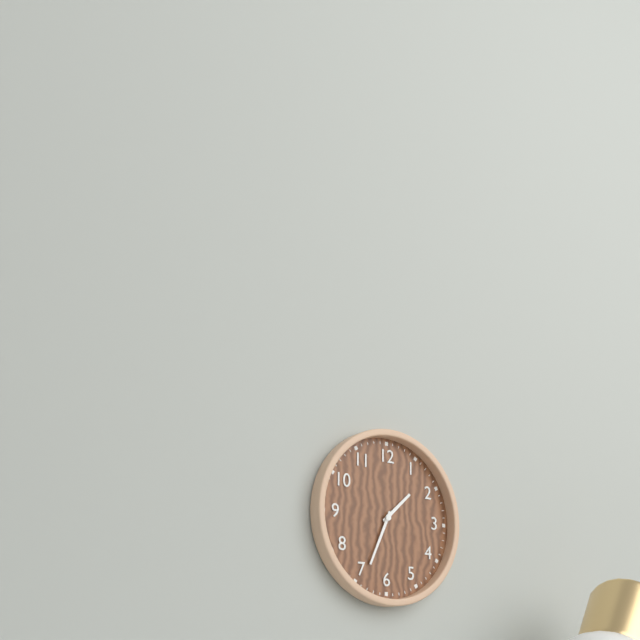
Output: 1.34
